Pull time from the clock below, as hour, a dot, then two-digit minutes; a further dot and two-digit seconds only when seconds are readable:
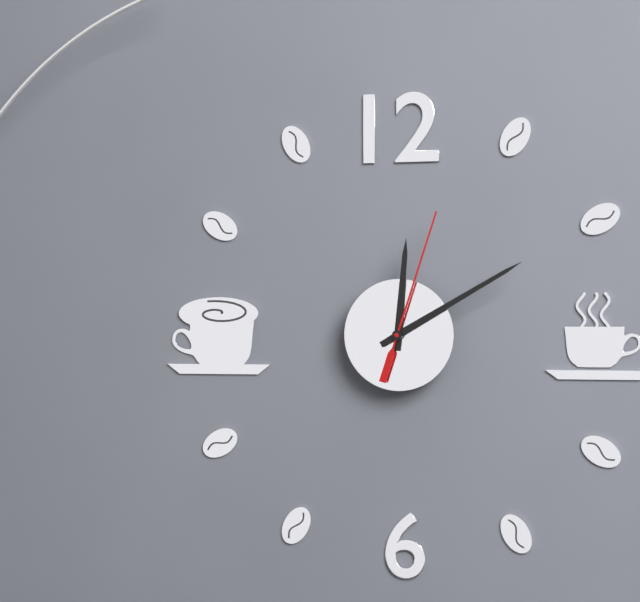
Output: 12.10.03
